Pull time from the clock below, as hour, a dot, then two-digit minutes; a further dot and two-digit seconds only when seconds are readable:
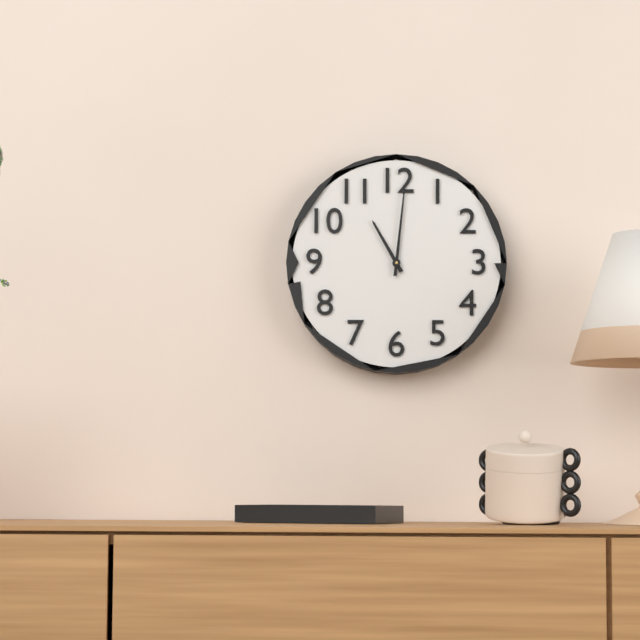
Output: 11.01
